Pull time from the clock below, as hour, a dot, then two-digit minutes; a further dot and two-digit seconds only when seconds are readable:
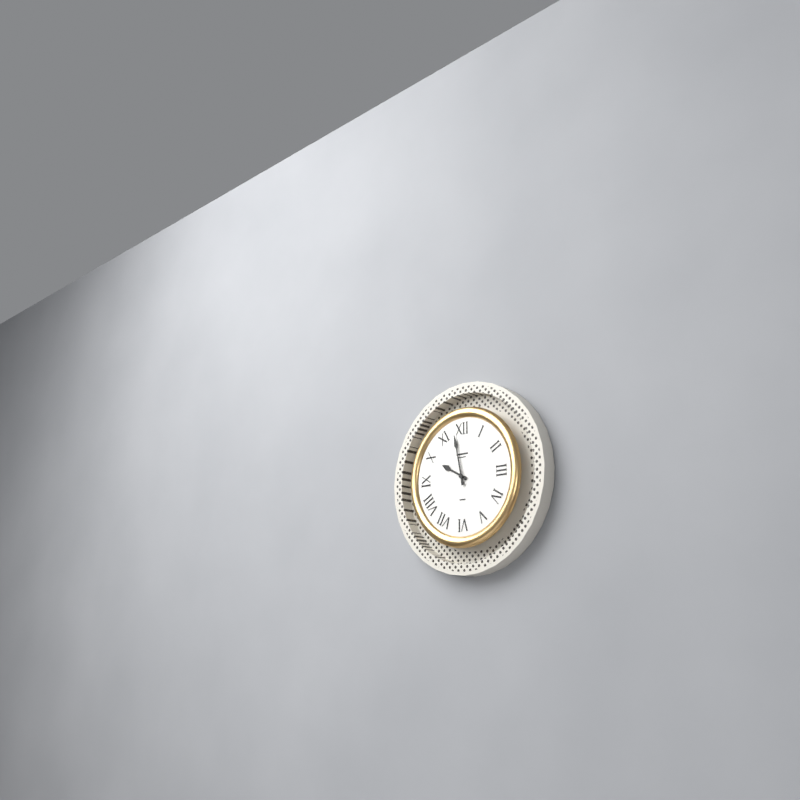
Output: 9.58
